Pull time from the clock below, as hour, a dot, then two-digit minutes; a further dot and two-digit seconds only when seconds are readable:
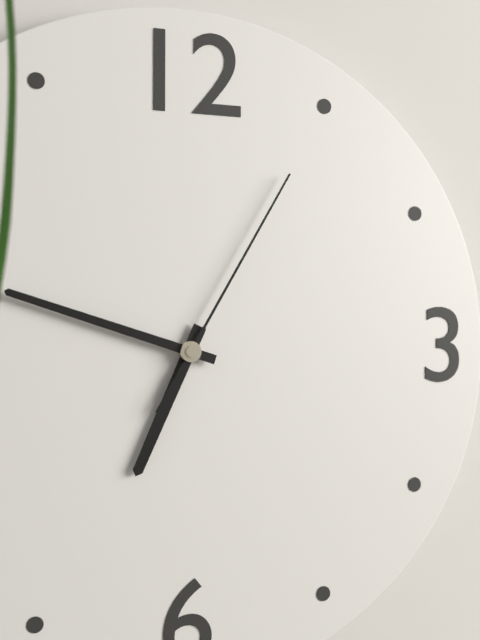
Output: 6.48.05
